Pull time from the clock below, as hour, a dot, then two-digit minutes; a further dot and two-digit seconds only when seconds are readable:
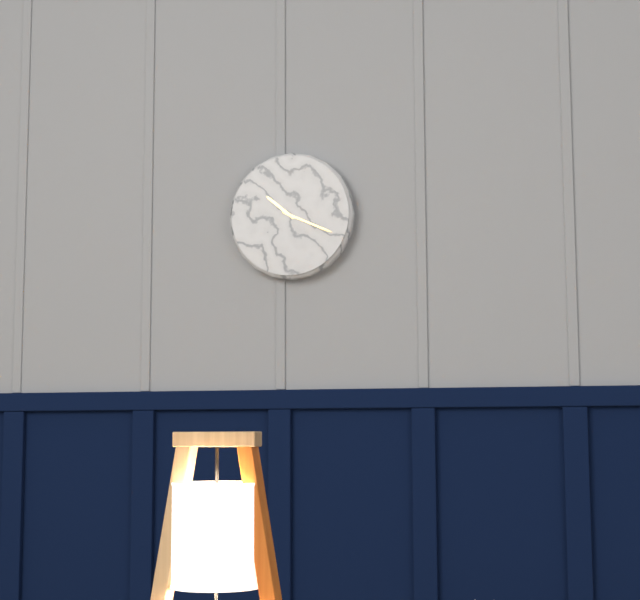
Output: 10.19
